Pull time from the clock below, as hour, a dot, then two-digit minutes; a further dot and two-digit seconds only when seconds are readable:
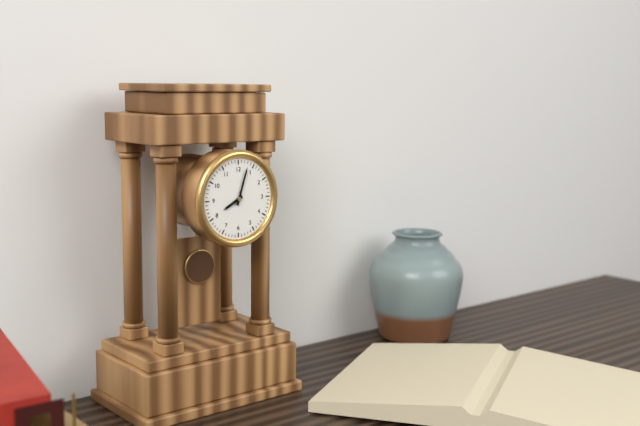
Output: 8.03
